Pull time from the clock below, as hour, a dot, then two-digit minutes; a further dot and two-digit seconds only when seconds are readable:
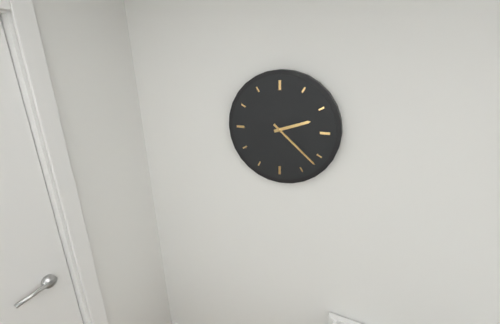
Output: 2.22
